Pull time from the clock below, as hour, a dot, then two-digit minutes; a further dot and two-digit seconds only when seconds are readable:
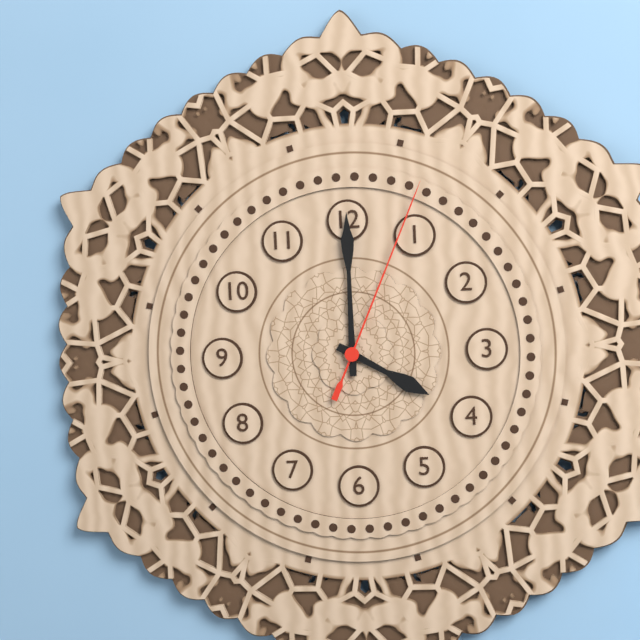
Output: 4.00.04
